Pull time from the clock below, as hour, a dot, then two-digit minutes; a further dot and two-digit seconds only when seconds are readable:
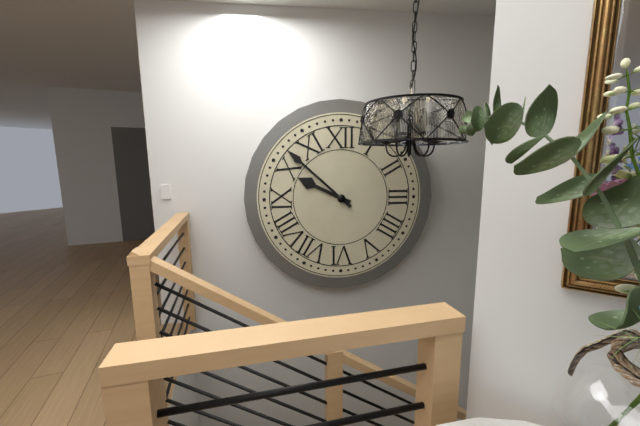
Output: 9.52
